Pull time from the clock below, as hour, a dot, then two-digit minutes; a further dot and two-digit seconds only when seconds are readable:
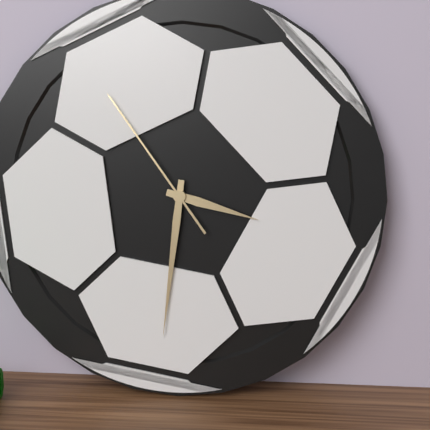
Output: 3.31.54
